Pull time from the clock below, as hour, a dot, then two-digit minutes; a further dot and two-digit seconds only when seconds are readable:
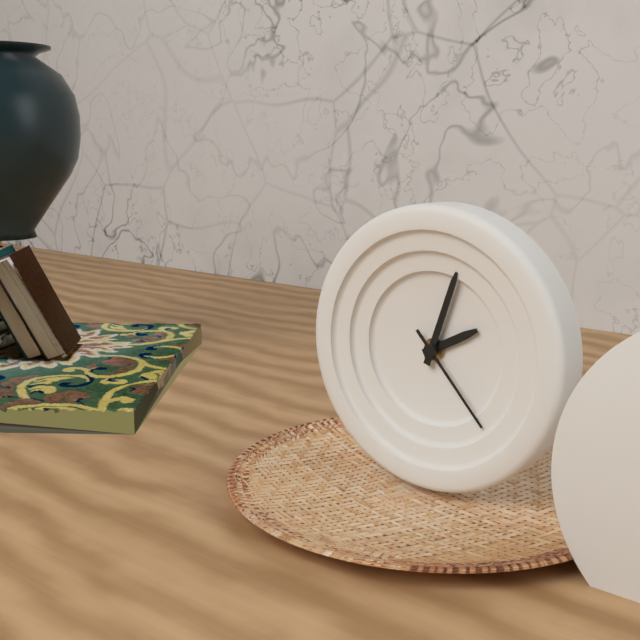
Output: 2.03.23
